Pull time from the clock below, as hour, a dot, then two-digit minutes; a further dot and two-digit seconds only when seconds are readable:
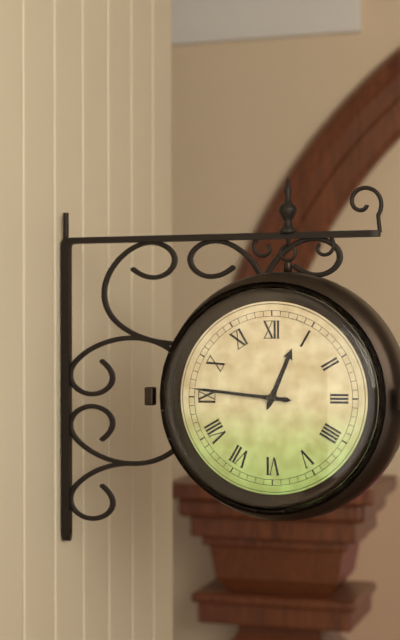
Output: 12.46
